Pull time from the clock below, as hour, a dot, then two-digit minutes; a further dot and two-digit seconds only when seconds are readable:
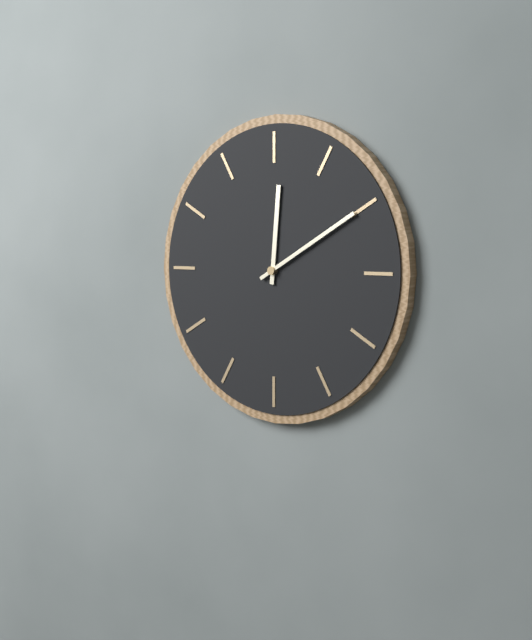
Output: 12.10
